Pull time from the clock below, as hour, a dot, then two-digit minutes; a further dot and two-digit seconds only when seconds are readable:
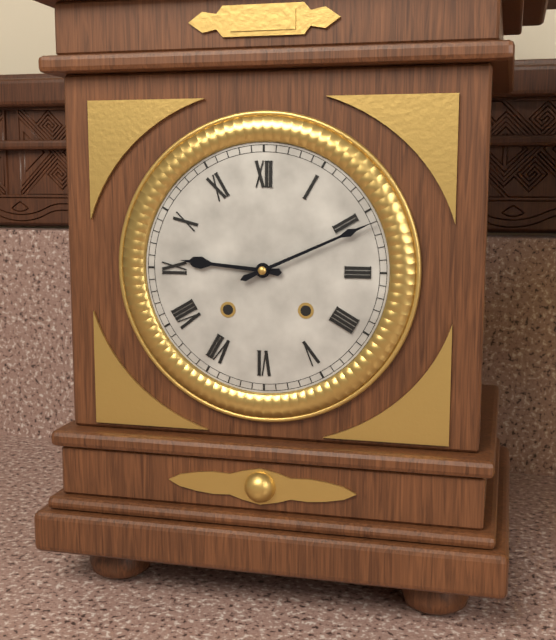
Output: 9.11
